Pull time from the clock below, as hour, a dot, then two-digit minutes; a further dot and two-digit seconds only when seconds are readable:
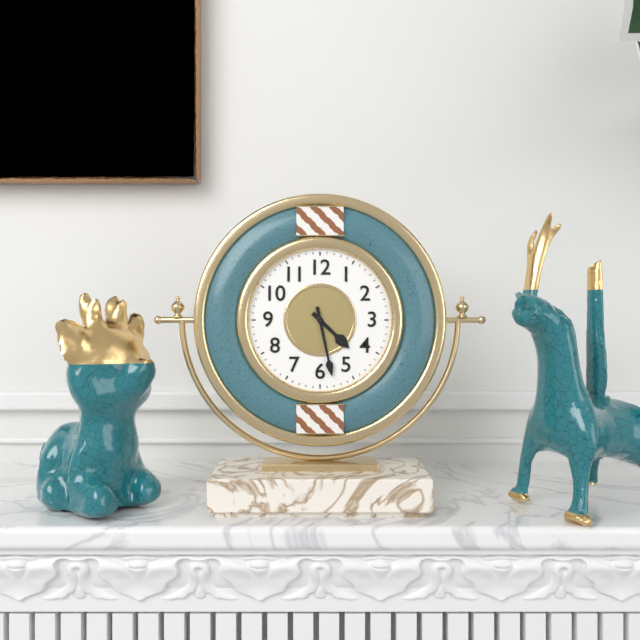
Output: 4.28
